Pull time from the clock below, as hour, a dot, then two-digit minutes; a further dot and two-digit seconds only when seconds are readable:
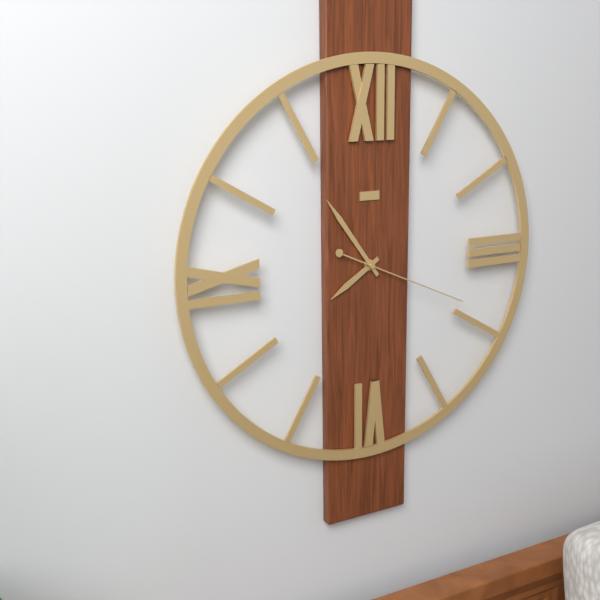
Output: 7.54.19
